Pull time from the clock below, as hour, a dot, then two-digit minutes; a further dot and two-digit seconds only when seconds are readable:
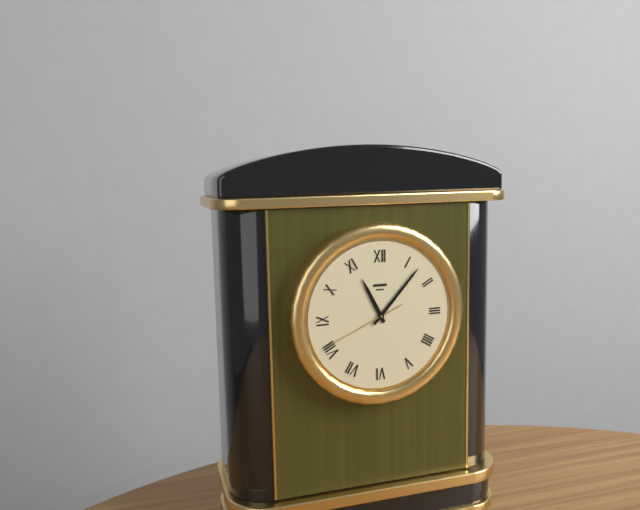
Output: 11.07.41
